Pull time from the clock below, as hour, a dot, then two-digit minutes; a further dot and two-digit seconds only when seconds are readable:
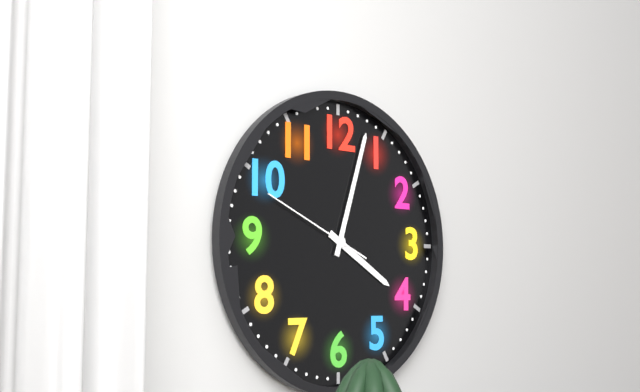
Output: 4.03.49
